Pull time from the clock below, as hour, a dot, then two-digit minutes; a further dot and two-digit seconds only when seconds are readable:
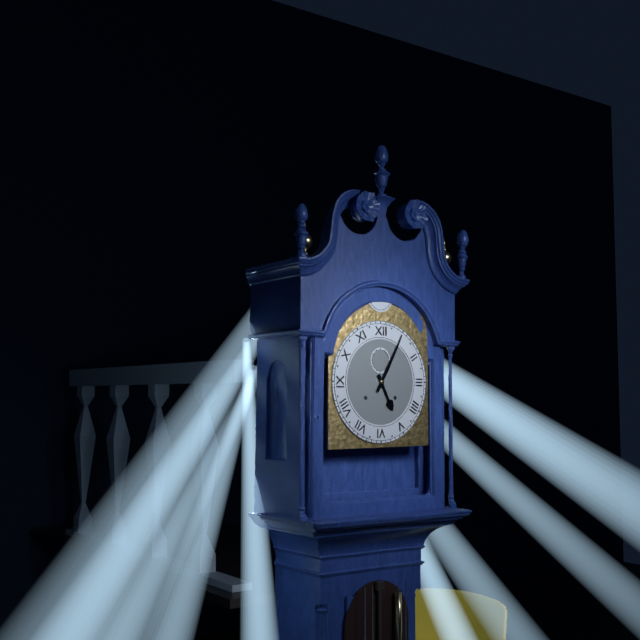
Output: 5.05
